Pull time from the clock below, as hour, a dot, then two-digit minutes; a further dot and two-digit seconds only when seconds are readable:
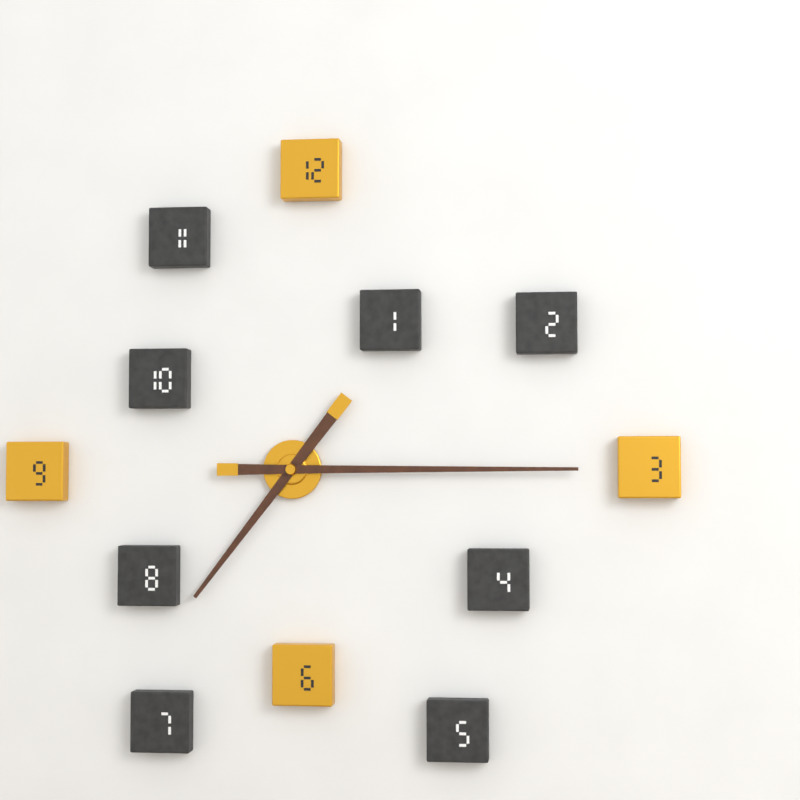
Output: 7.15
